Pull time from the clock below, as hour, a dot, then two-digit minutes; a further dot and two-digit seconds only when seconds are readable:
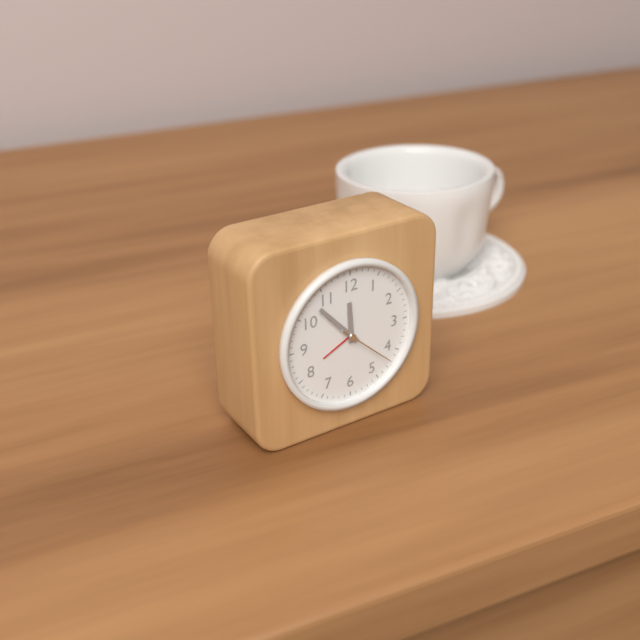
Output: 11.53.22
